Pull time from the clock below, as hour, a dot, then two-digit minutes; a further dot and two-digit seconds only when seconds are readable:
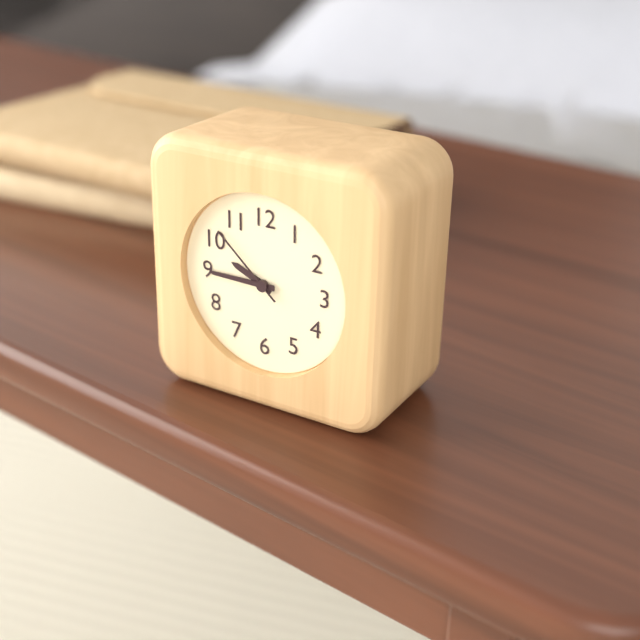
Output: 9.45.52
